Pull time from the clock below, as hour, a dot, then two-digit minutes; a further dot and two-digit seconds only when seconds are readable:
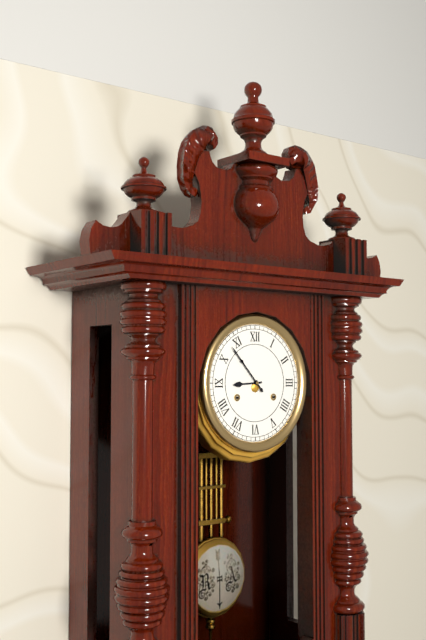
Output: 8.53
